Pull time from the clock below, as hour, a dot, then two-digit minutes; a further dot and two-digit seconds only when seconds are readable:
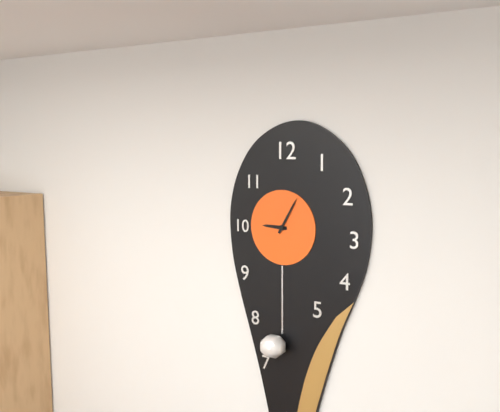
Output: 9.05
